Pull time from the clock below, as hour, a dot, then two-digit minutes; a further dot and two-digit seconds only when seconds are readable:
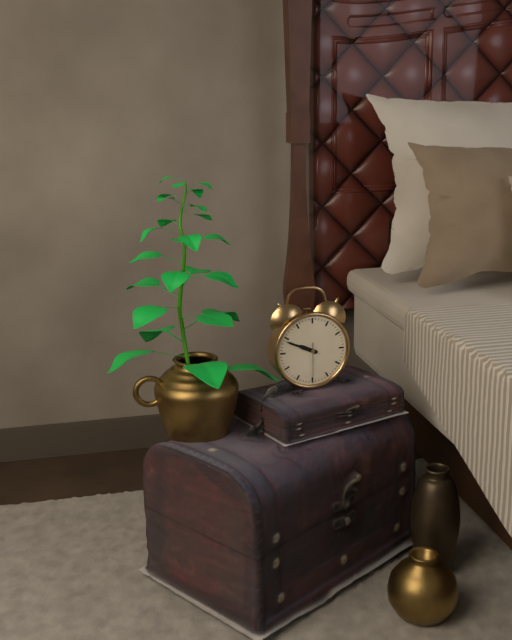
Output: 9.49
